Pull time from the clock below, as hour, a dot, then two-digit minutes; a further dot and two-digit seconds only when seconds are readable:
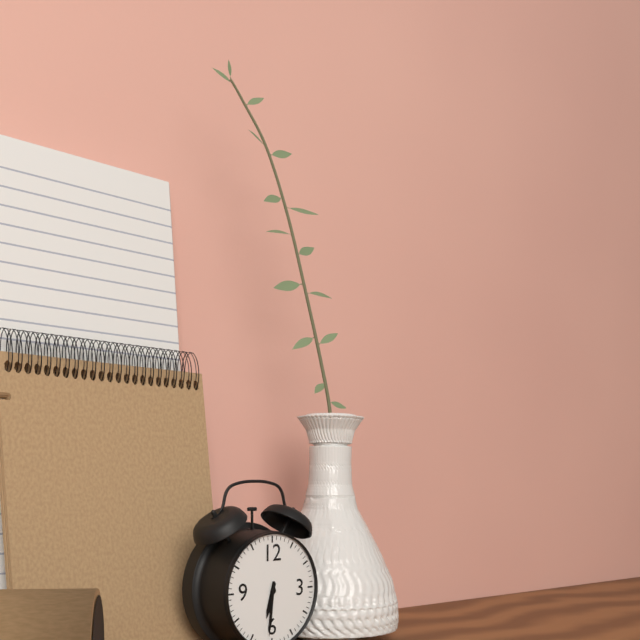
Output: 6.31
